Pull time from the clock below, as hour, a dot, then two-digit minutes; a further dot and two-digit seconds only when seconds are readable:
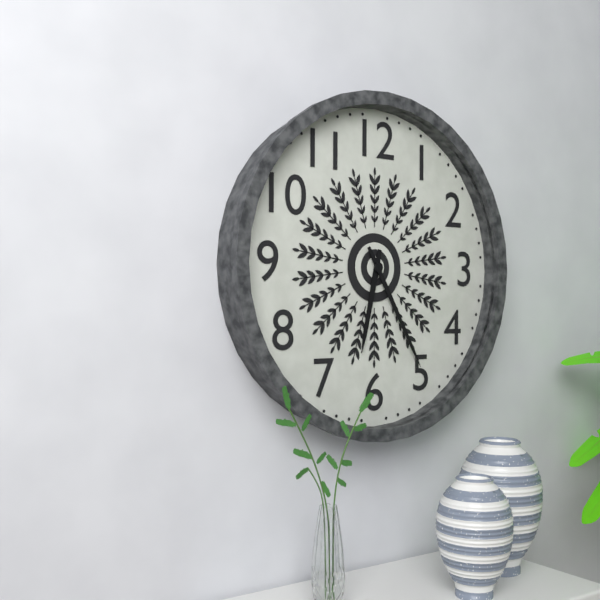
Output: 6.25
